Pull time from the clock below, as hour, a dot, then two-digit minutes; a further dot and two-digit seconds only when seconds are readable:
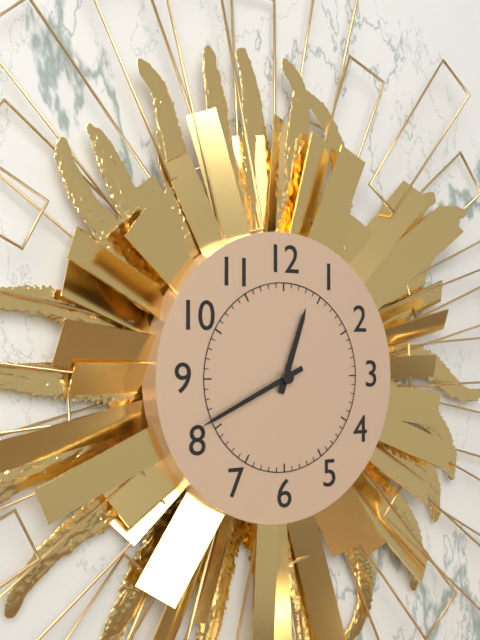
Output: 12.41
